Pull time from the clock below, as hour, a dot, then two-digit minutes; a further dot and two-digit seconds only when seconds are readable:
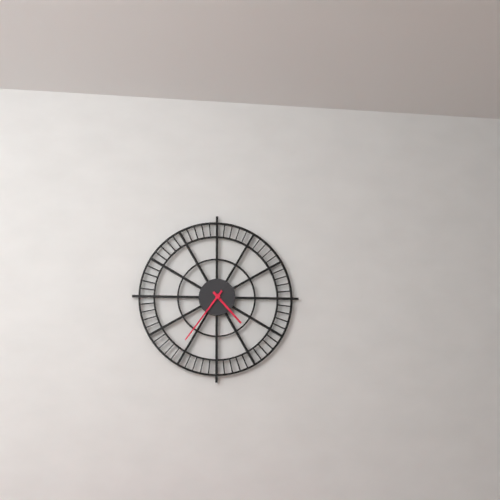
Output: 4.36
